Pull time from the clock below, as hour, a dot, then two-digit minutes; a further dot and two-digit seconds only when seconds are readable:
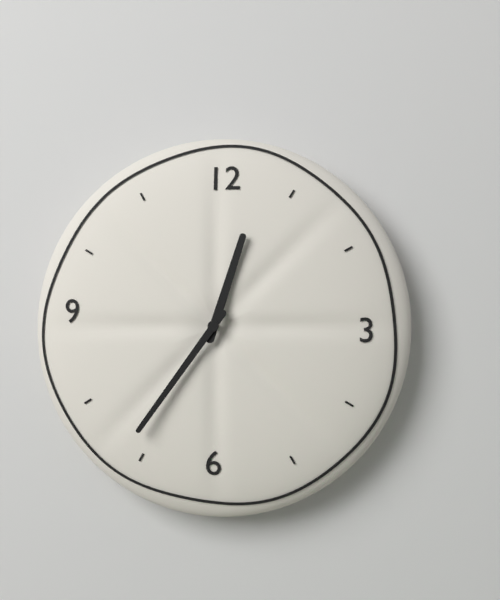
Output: 12.36
